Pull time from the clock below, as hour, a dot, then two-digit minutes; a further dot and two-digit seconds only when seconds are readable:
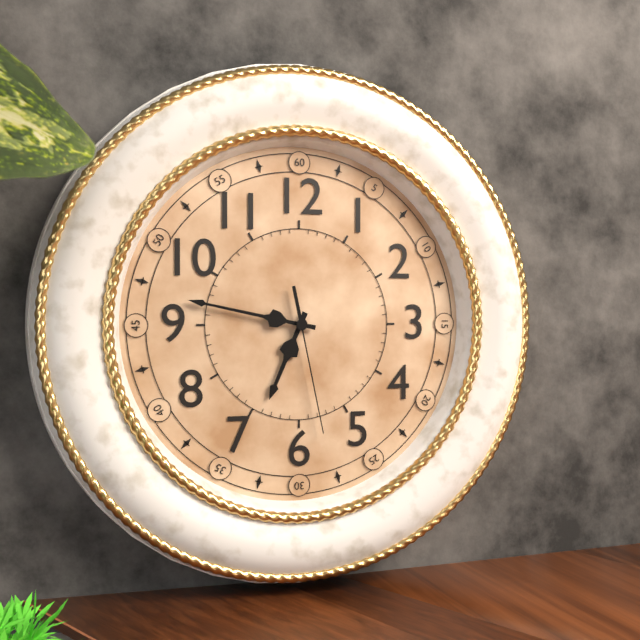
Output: 6.47.28
